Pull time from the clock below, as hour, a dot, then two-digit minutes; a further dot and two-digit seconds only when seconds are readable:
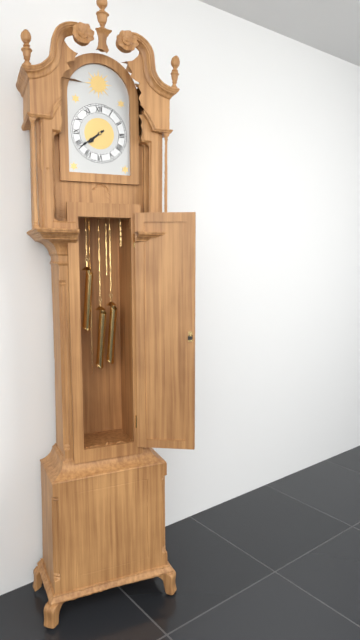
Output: 7.39
